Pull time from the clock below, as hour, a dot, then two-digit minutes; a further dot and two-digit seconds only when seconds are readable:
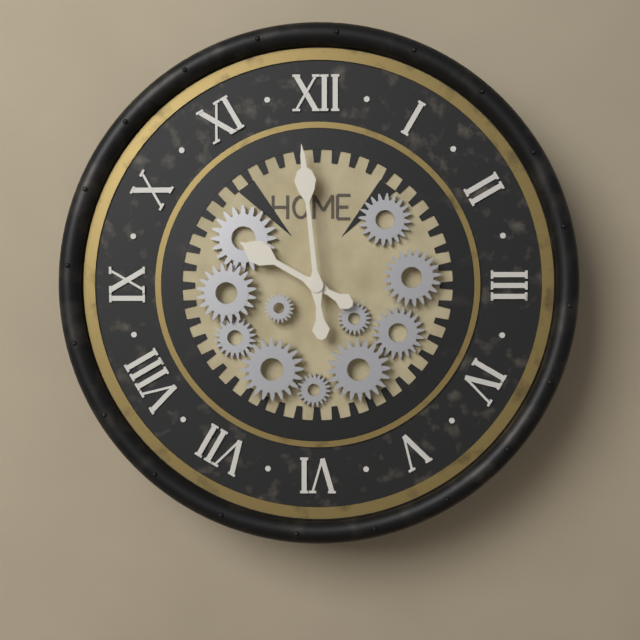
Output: 9.59
